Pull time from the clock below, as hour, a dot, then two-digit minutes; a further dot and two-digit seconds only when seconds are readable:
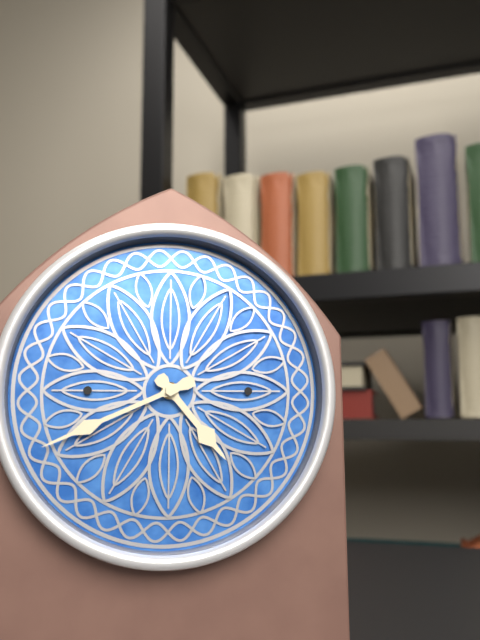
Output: 4.41
